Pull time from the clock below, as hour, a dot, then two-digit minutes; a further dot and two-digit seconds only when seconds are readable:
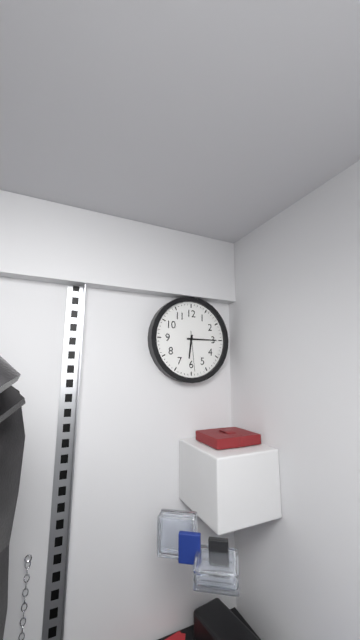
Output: 6.15
